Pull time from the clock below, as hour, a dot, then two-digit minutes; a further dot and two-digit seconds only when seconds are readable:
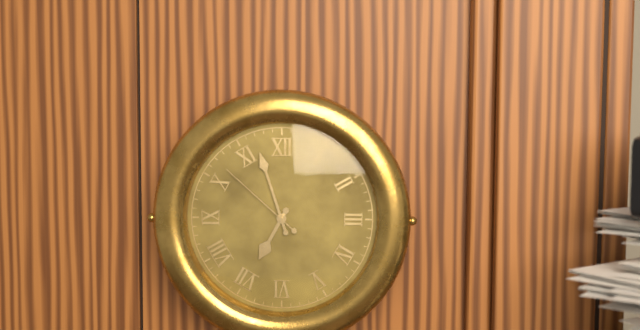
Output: 6.57.52
